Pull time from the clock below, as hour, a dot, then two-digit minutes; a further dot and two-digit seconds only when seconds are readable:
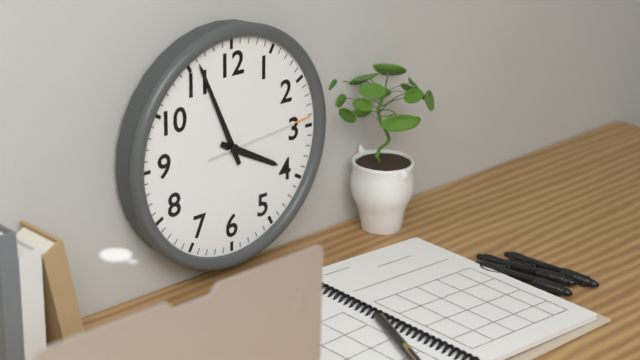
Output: 3.56.14
